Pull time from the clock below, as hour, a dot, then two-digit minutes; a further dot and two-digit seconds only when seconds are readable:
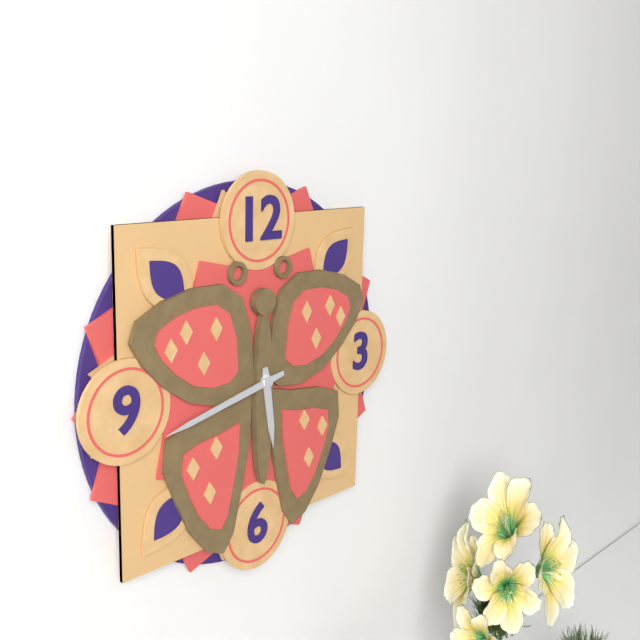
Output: 5.43
